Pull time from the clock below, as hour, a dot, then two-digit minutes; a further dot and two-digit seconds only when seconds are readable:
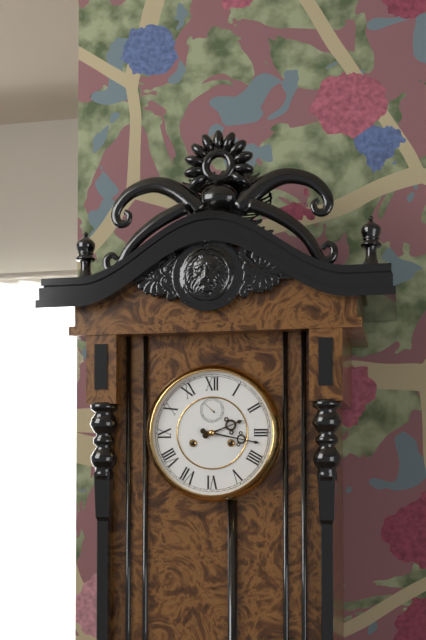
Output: 2.17
